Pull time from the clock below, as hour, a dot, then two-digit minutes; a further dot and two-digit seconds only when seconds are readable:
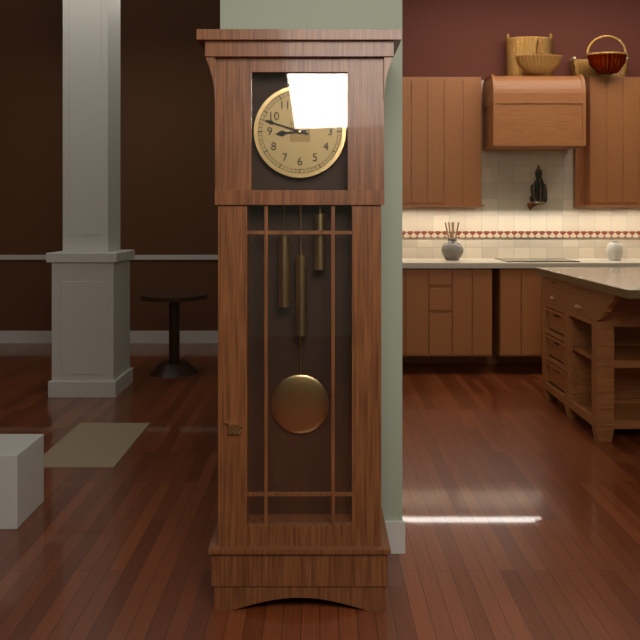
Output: 8.48
